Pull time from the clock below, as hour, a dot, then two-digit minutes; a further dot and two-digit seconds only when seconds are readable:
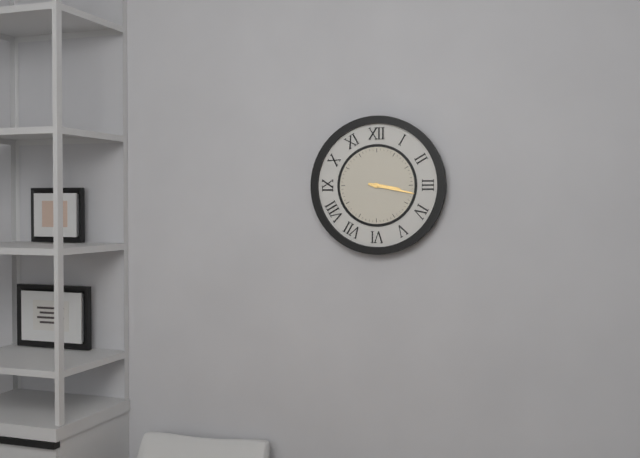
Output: 3.17
